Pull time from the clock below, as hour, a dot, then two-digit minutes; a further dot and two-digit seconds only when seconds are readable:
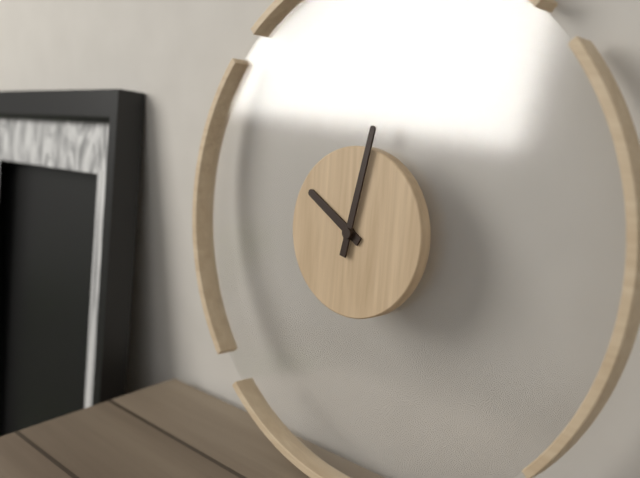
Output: 10.02
